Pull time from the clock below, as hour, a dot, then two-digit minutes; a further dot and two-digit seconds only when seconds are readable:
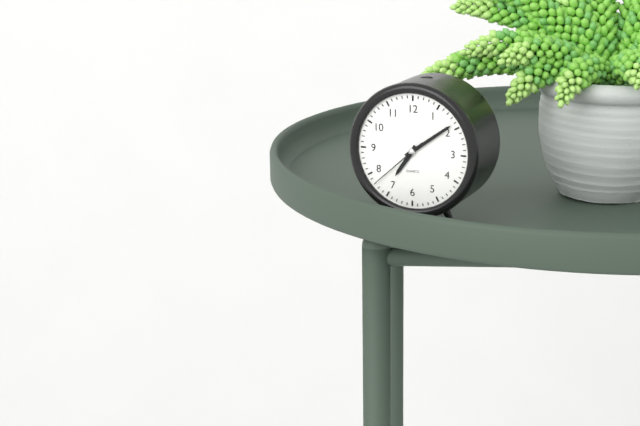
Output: 7.09.38
